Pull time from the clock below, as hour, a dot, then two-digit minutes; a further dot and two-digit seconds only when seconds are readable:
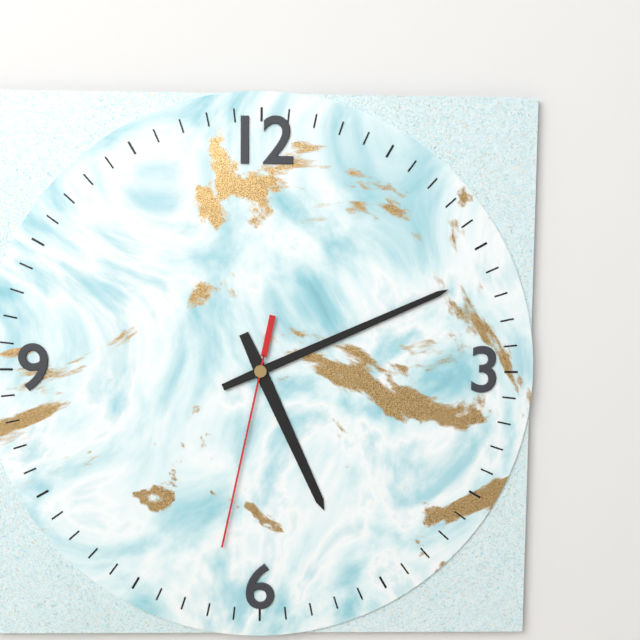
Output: 5.11.32
